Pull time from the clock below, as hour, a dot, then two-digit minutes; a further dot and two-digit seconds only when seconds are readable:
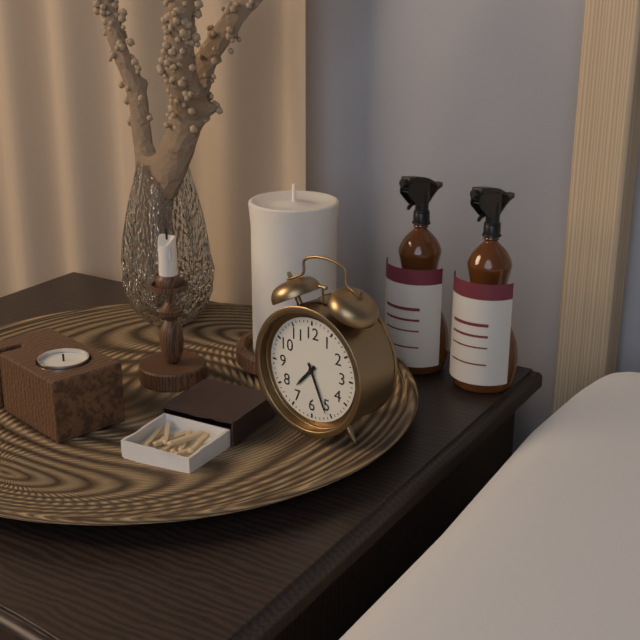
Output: 7.26
